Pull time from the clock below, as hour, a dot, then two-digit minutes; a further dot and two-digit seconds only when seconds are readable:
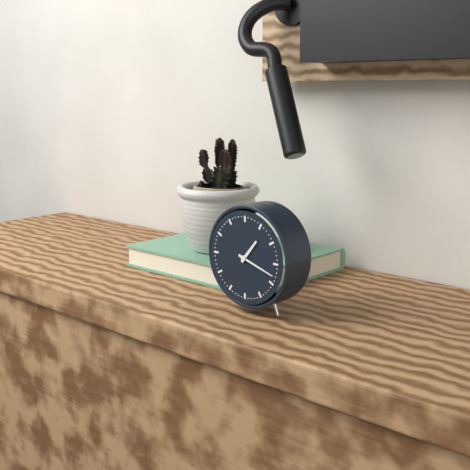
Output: 1.18
